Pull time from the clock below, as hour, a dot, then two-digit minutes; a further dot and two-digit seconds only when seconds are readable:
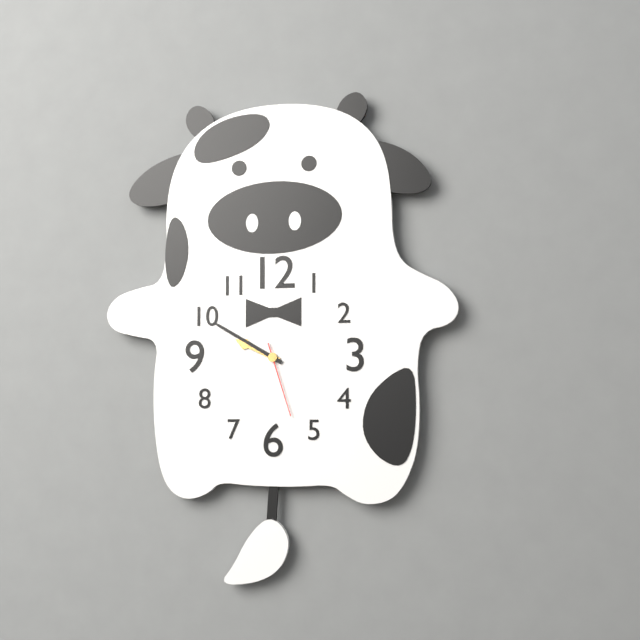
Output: 9.50.27
